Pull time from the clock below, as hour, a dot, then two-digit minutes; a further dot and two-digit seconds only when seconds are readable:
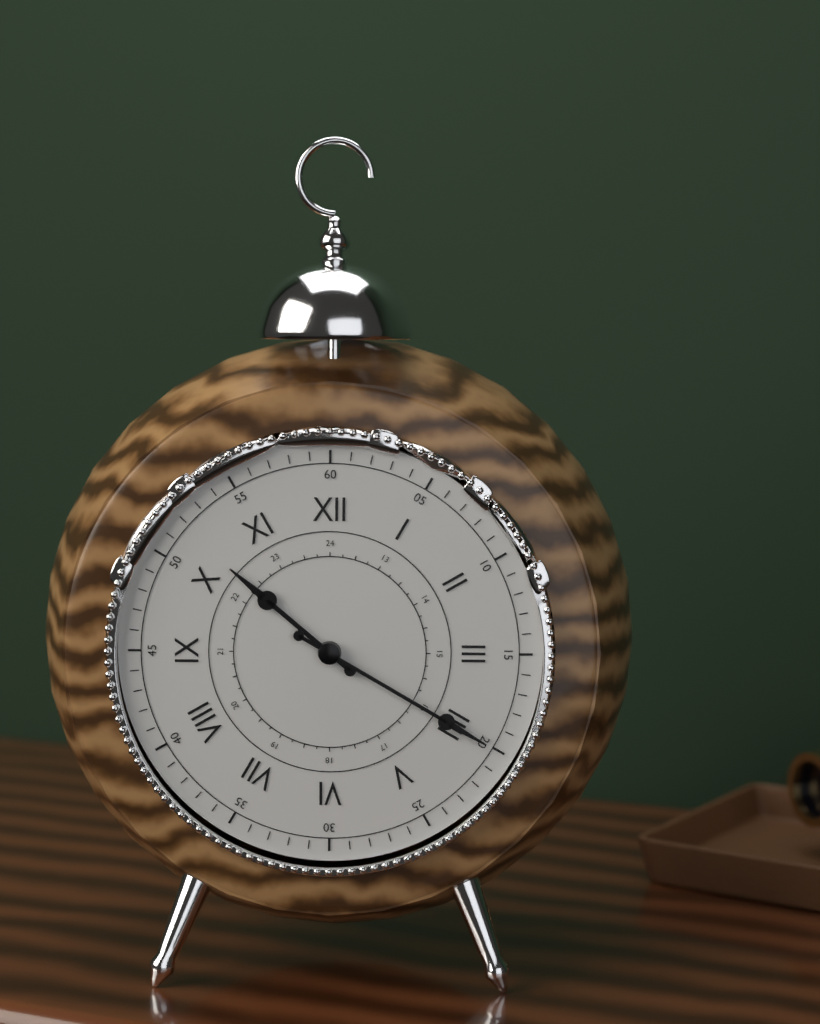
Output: 10.20
